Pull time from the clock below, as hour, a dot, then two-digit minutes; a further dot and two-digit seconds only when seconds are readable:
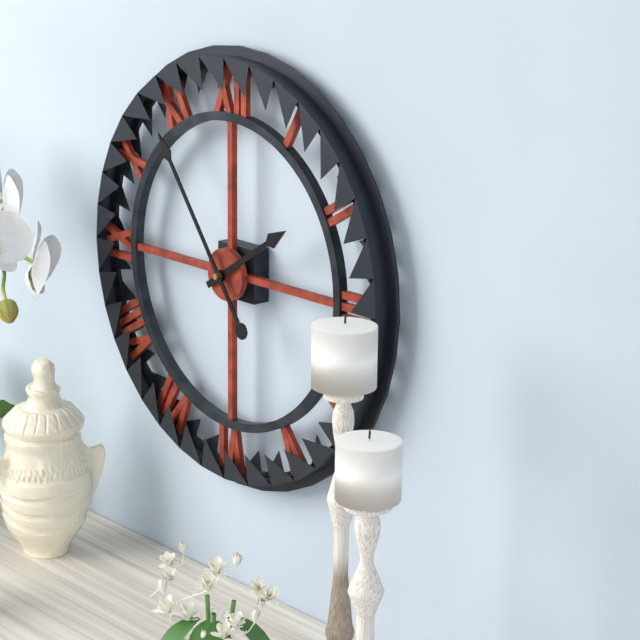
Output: 1.54
